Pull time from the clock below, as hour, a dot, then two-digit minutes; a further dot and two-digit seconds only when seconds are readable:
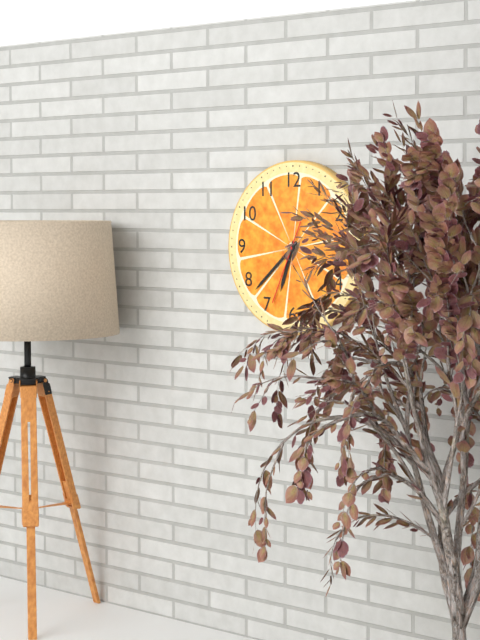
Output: 6.38.34
